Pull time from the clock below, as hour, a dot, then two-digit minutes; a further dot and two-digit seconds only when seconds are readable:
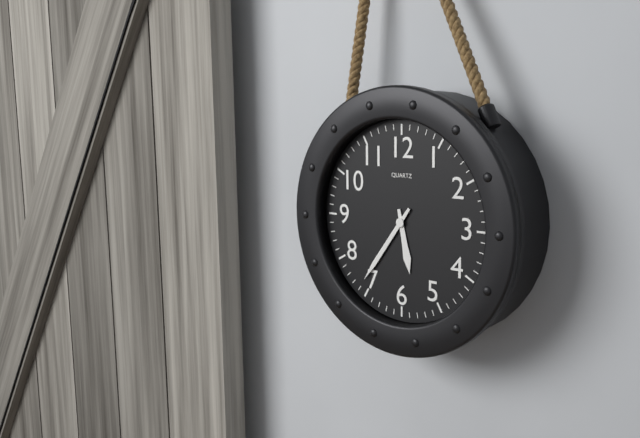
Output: 5.36
